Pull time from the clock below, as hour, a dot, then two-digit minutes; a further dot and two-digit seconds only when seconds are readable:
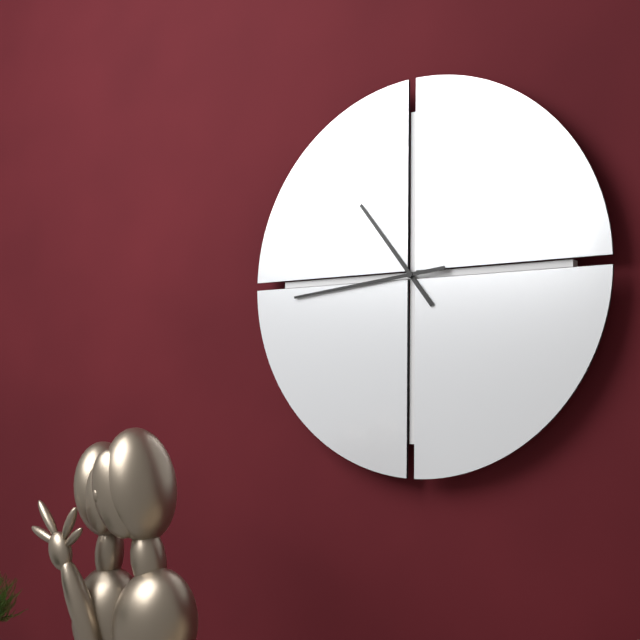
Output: 10.44
